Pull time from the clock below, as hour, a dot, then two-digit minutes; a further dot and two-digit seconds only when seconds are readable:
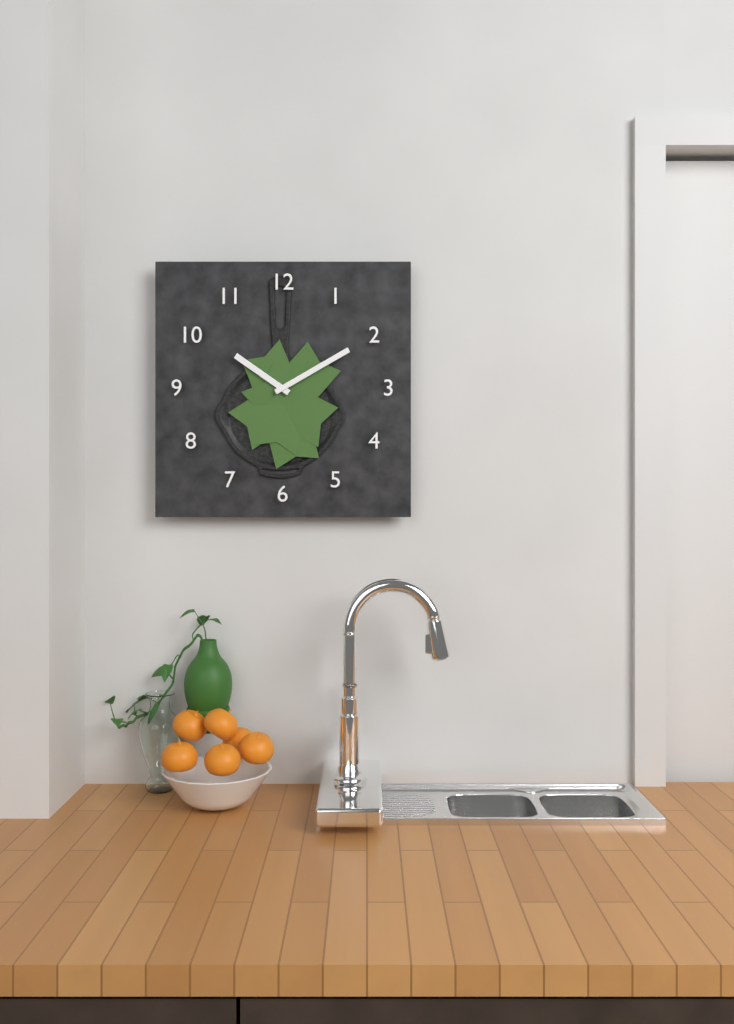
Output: 10.10
